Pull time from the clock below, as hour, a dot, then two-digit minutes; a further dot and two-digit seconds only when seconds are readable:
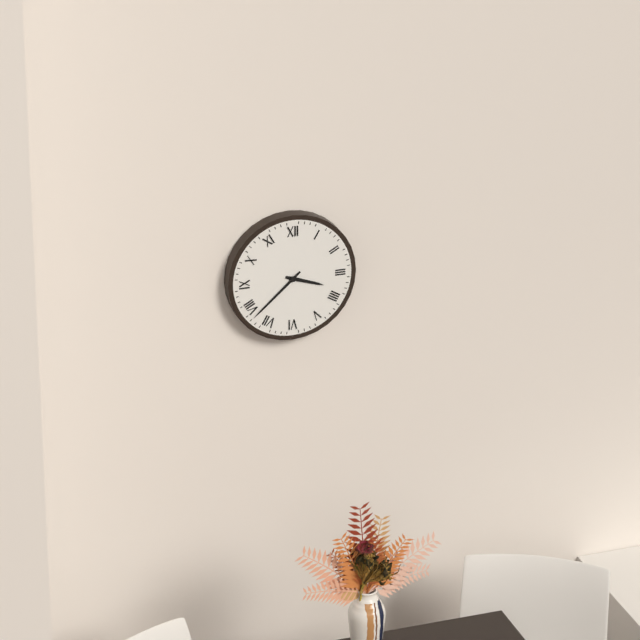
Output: 3.38
